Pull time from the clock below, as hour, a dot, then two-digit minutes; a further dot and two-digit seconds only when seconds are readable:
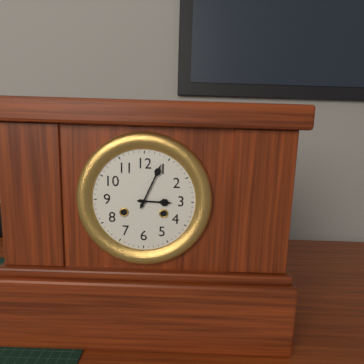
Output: 3.04
